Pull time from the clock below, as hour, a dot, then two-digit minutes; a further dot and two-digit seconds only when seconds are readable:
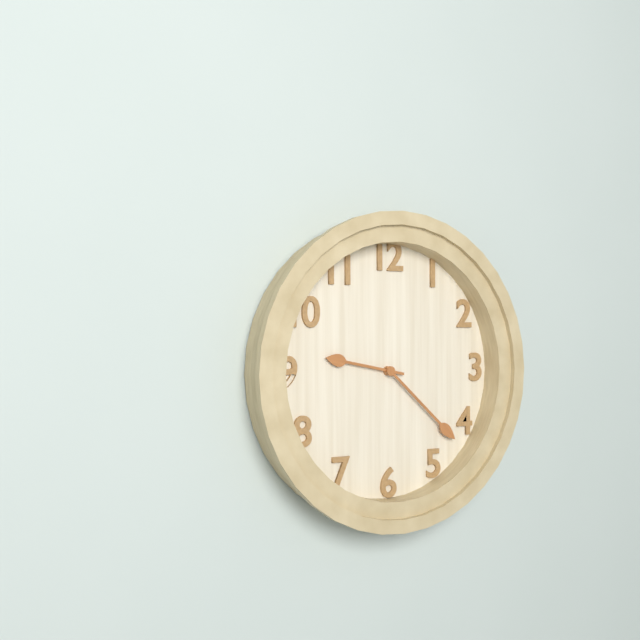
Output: 9.22
